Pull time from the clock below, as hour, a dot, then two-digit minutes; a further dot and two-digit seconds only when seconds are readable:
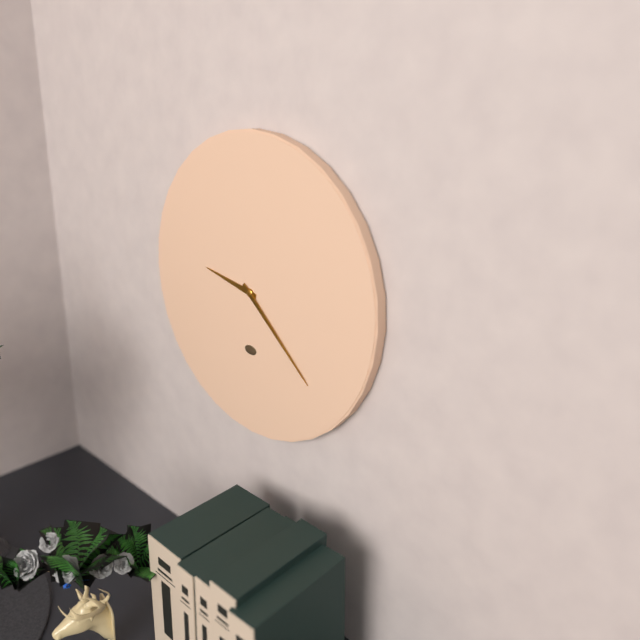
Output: 9.22
